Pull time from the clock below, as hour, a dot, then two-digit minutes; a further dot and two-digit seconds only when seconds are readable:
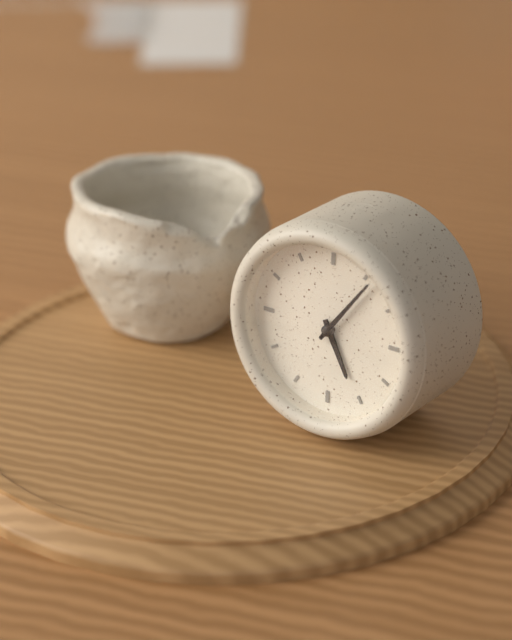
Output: 5.06
